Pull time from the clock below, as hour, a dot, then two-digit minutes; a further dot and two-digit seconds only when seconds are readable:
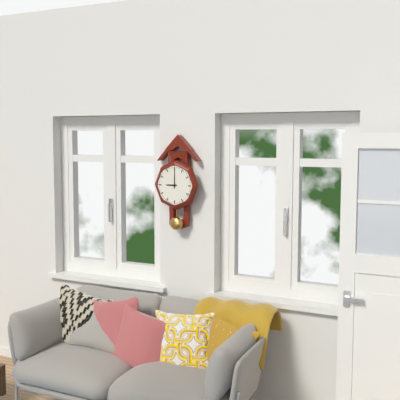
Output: 9.00
